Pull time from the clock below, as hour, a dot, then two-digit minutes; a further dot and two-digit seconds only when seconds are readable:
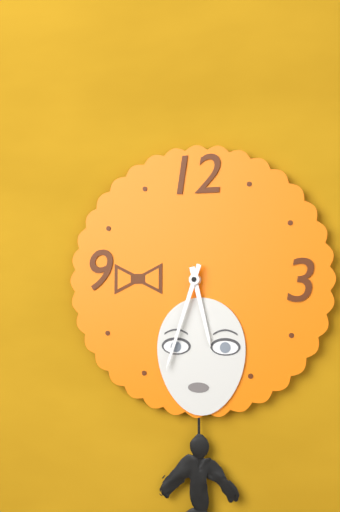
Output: 5.33
